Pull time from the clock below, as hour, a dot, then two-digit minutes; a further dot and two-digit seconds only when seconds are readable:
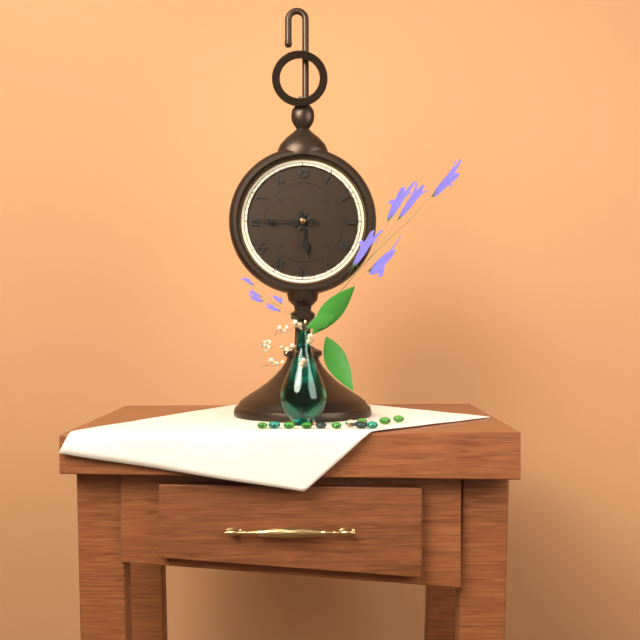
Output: 5.45
